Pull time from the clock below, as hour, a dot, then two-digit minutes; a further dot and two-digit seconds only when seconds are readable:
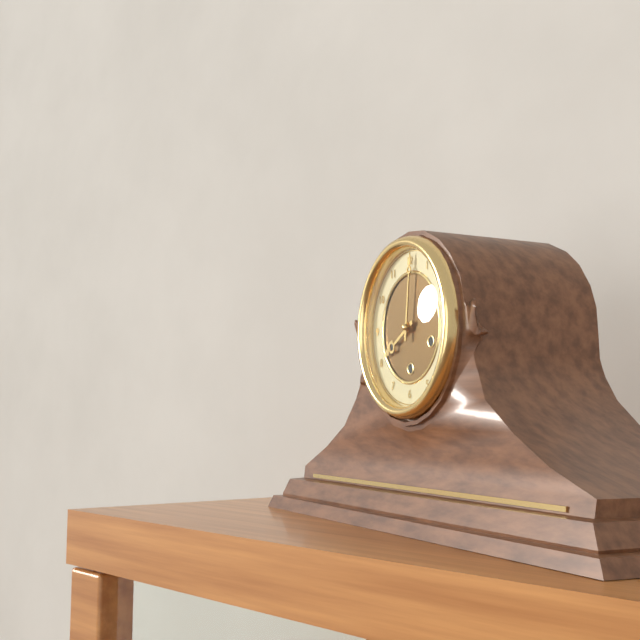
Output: 8.01
